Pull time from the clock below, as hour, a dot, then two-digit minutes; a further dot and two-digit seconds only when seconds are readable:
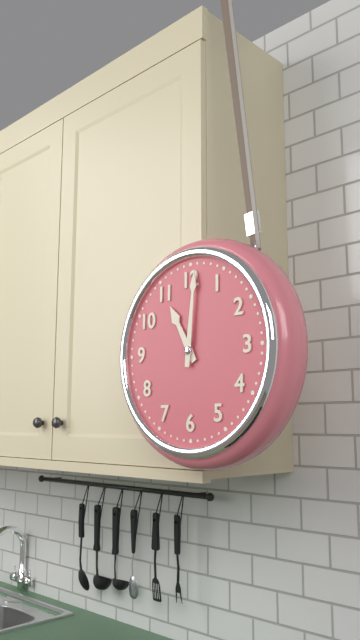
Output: 11.01
